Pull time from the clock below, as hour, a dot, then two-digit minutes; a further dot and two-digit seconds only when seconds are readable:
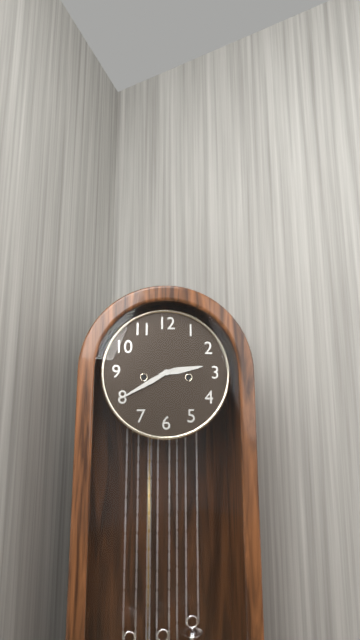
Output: 2.40
